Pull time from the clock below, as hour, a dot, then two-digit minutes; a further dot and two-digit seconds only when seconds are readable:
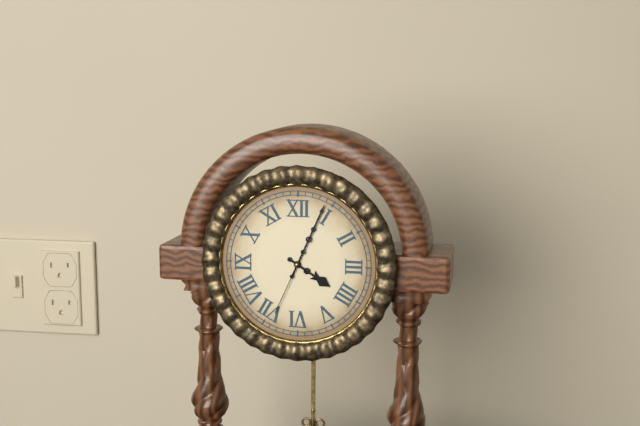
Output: 4.04.34
